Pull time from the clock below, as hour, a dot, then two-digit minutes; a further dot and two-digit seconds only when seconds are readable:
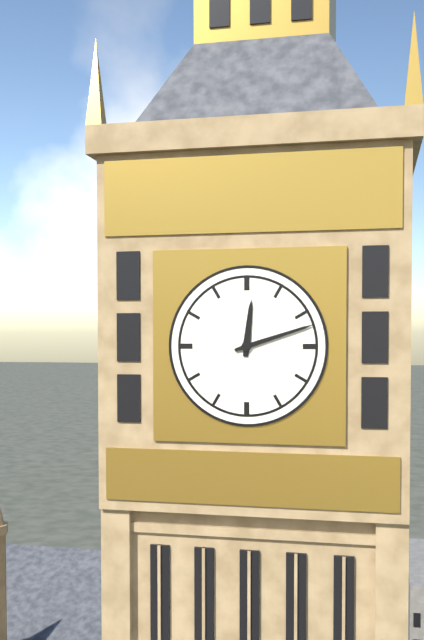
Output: 12.12
